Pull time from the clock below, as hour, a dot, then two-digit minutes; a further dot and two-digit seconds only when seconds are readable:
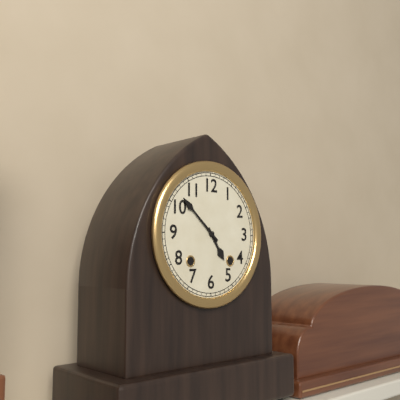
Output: 4.52
